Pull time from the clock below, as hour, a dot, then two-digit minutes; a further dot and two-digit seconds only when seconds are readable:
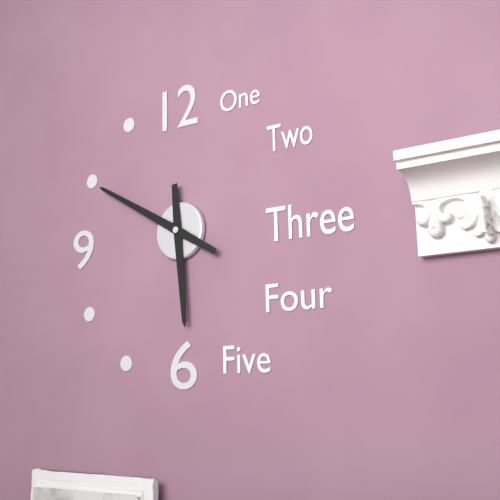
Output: 5.50
